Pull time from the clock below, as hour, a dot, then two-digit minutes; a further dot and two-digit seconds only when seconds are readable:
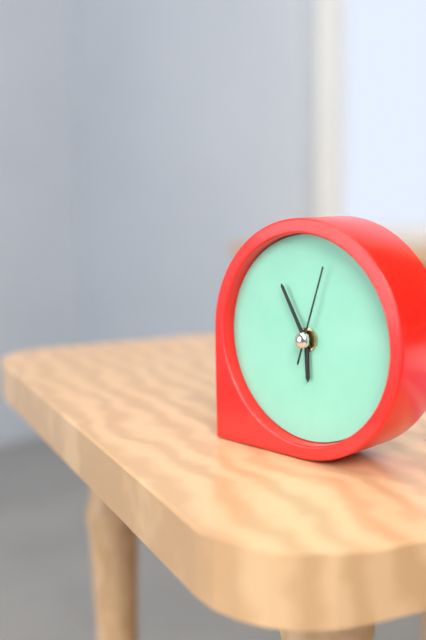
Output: 5.55.03
